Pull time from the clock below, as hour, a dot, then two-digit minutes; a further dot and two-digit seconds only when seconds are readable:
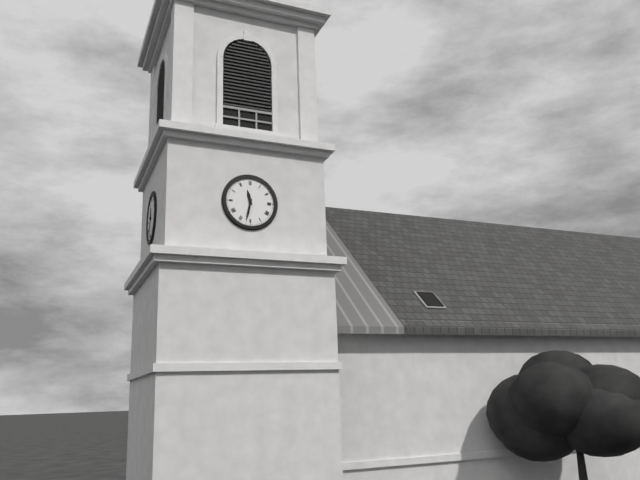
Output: 11.32
